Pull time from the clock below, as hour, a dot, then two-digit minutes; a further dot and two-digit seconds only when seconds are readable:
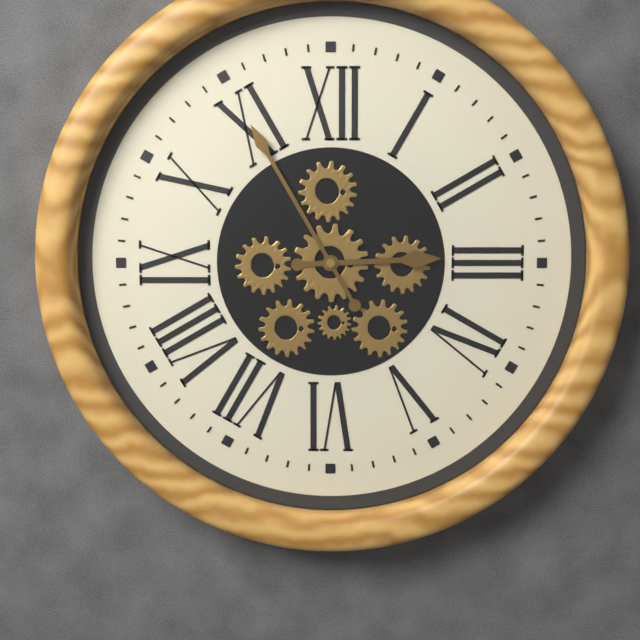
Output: 2.55
